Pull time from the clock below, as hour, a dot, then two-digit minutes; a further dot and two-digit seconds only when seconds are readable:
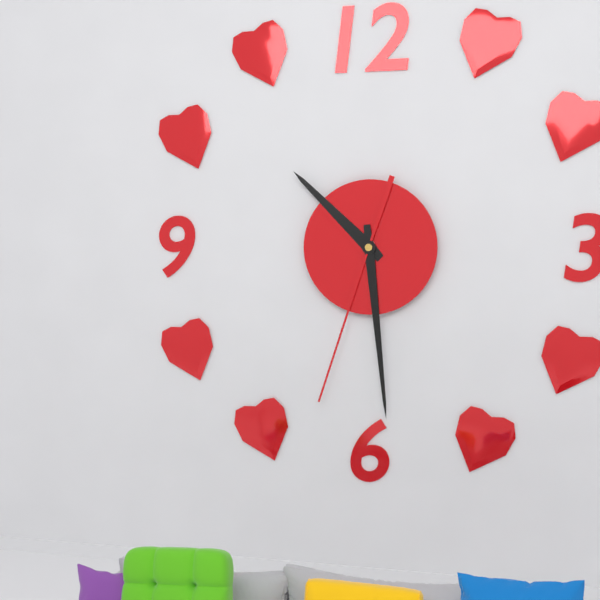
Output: 10.29.33
